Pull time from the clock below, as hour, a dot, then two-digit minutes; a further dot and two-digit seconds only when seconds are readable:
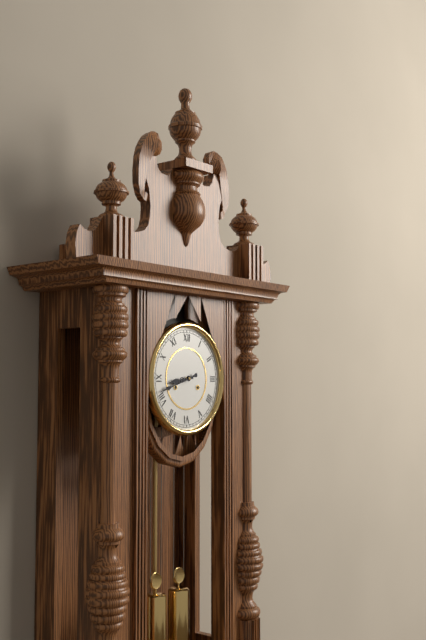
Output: 8.42
